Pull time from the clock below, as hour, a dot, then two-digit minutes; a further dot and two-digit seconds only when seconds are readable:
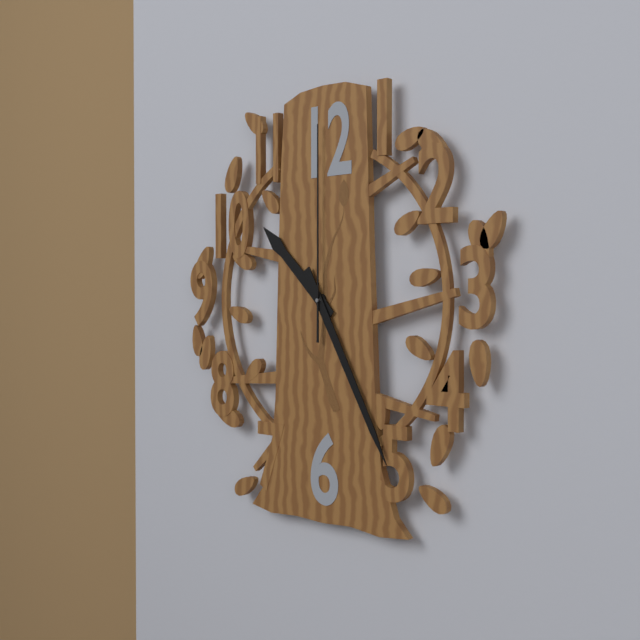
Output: 10.25.00
